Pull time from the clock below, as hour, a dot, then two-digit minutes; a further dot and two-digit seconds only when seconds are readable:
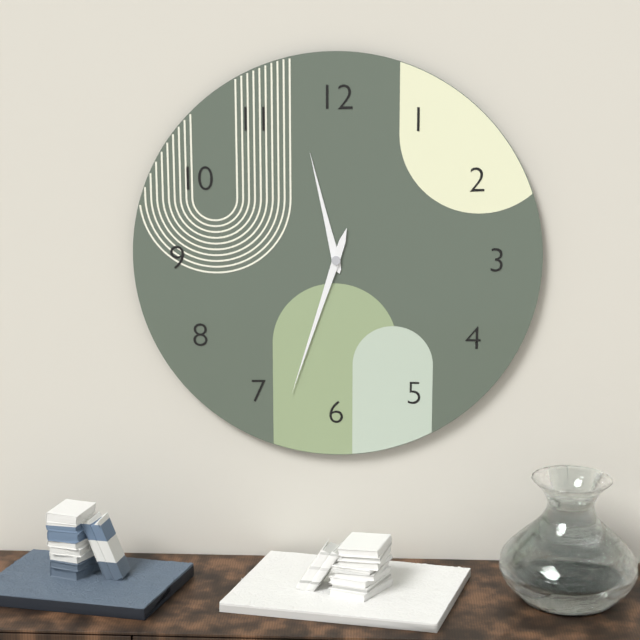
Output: 11.33
